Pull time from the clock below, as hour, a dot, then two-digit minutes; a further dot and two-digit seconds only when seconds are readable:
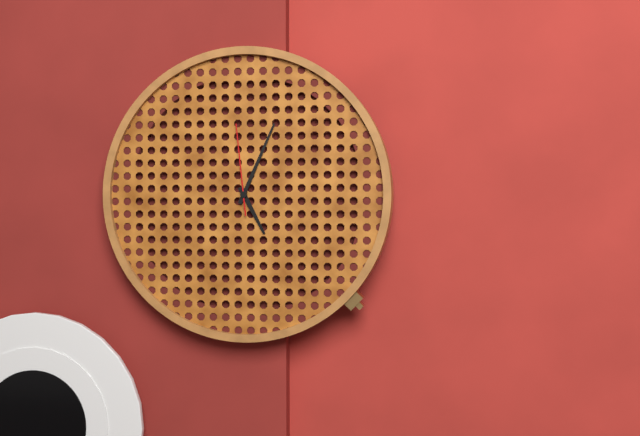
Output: 5.04.59
